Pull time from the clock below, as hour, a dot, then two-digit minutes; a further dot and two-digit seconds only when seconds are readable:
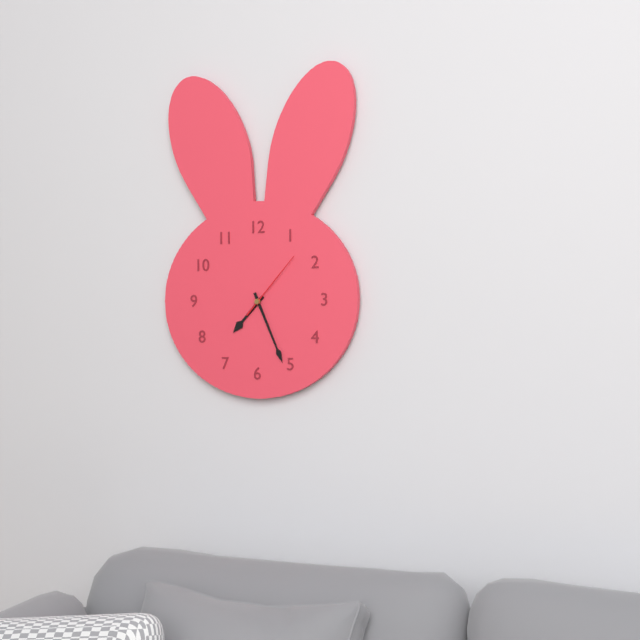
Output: 7.26.07
